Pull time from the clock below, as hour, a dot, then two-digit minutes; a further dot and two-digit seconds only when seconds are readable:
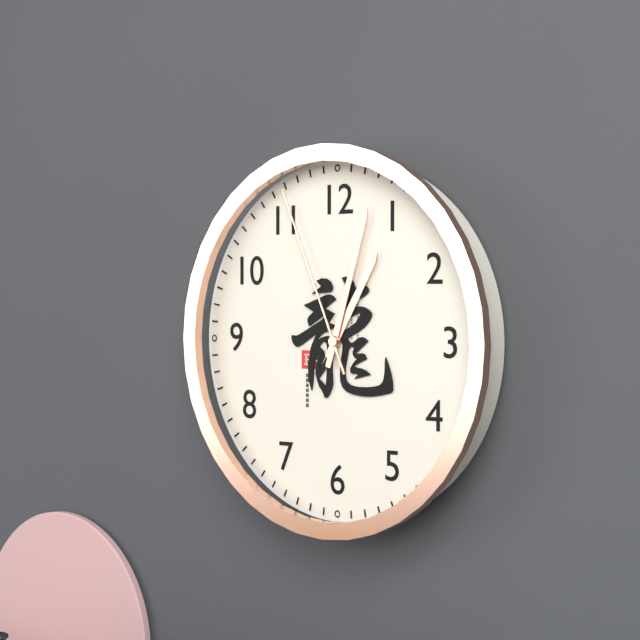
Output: 1.03.56
